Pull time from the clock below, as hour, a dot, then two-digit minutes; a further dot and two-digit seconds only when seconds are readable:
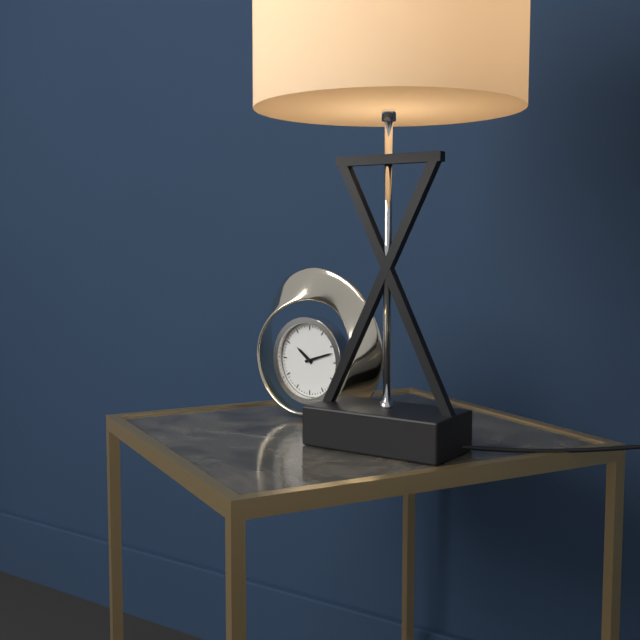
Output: 10.12
